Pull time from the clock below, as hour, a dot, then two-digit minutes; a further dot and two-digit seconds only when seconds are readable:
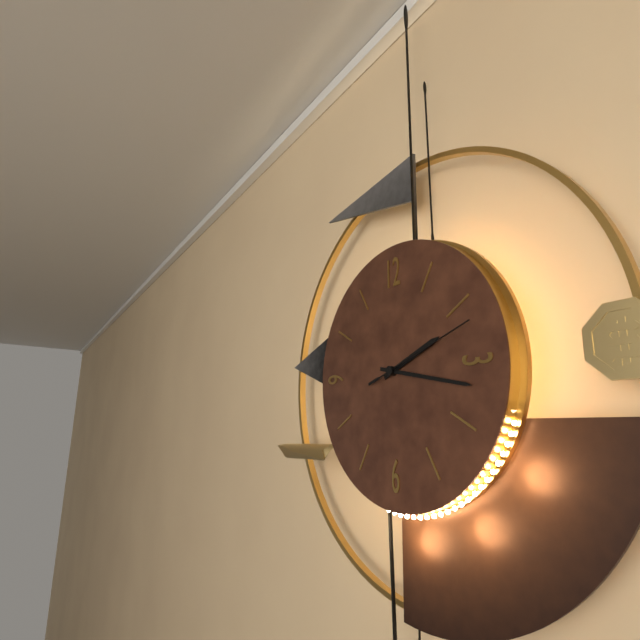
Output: 2.17.12
